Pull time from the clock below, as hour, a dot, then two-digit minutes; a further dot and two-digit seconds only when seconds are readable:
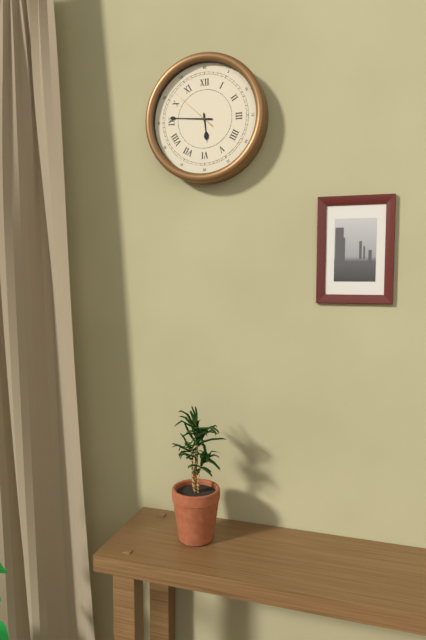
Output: 5.46
